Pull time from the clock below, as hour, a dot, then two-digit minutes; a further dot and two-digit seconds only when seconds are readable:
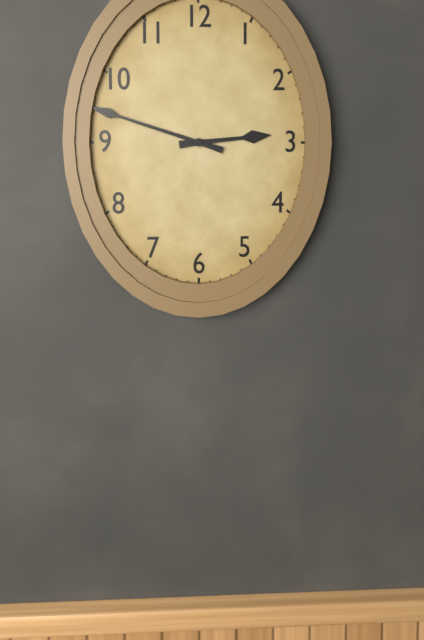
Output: 2.48
